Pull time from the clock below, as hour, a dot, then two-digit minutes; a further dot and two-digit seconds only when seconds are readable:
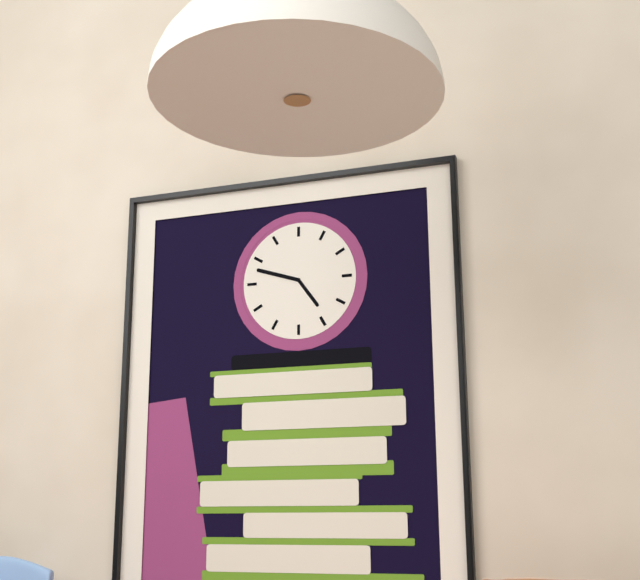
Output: 4.48
